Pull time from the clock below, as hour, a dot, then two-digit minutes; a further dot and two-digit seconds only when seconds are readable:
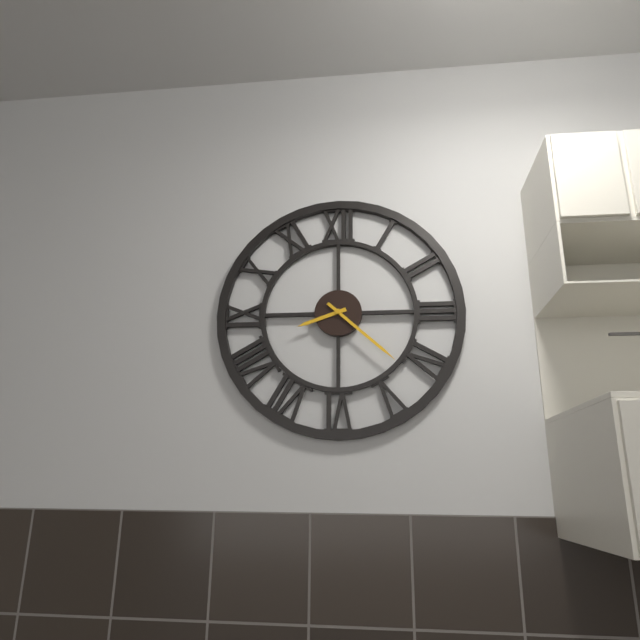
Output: 8.22
